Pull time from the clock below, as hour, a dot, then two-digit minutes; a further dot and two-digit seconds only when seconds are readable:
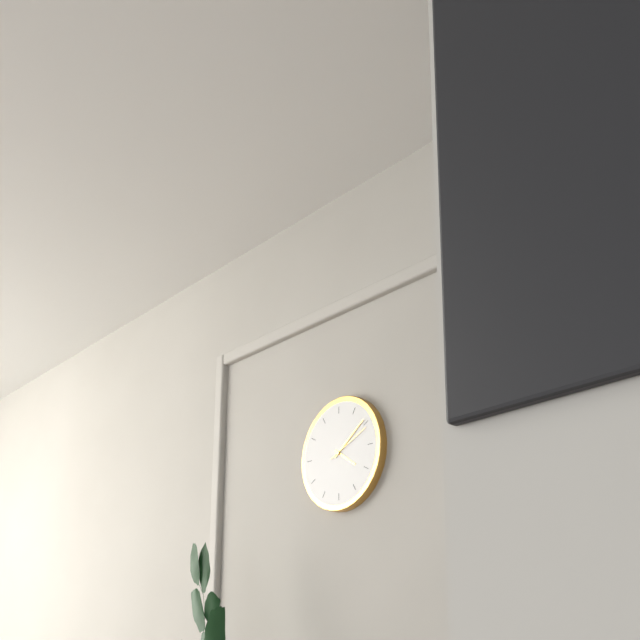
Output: 4.09
